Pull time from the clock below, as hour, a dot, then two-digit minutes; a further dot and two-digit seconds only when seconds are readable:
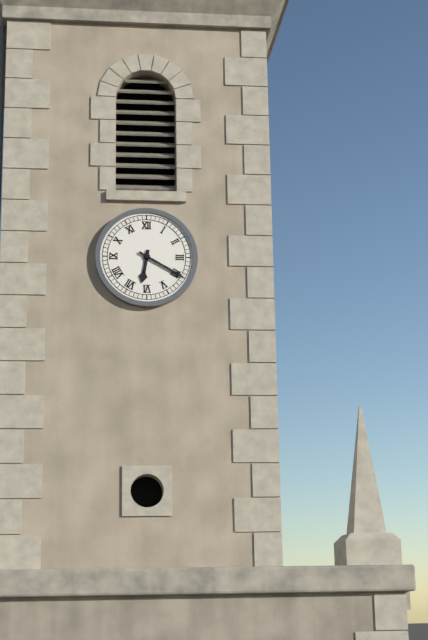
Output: 6.20
